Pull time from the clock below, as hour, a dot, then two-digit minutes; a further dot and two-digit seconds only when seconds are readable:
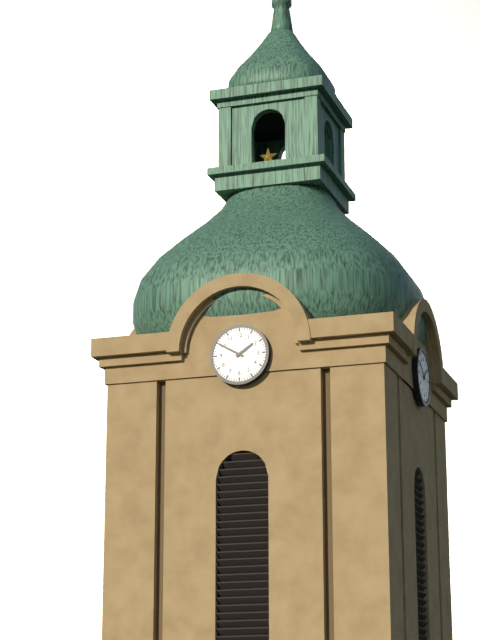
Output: 1.50
